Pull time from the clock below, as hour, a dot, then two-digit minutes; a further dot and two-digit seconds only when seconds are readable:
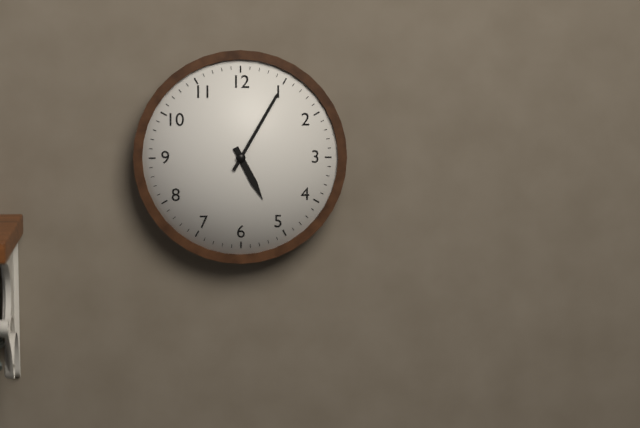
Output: 5.05
